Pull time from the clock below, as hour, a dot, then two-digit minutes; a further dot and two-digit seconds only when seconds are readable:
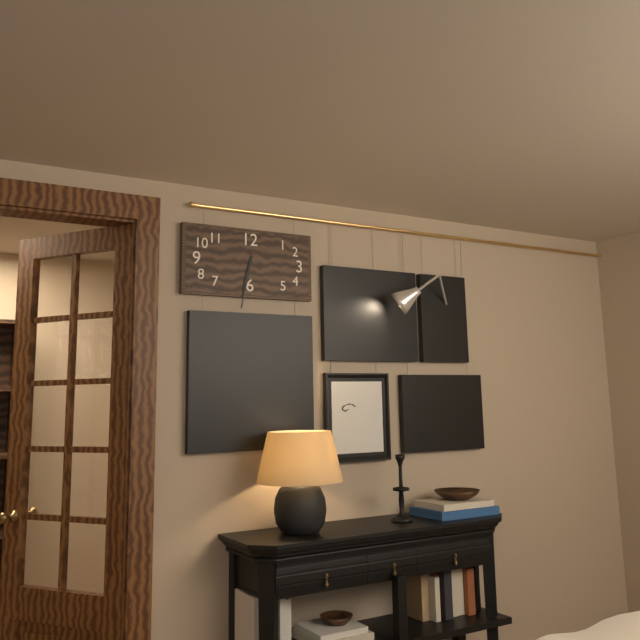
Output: 6.32
